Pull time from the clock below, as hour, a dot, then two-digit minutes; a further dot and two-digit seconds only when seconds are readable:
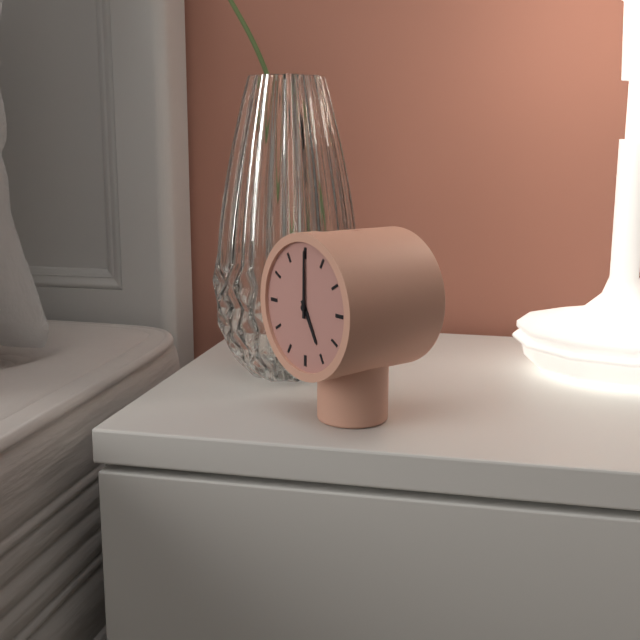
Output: 5.00
